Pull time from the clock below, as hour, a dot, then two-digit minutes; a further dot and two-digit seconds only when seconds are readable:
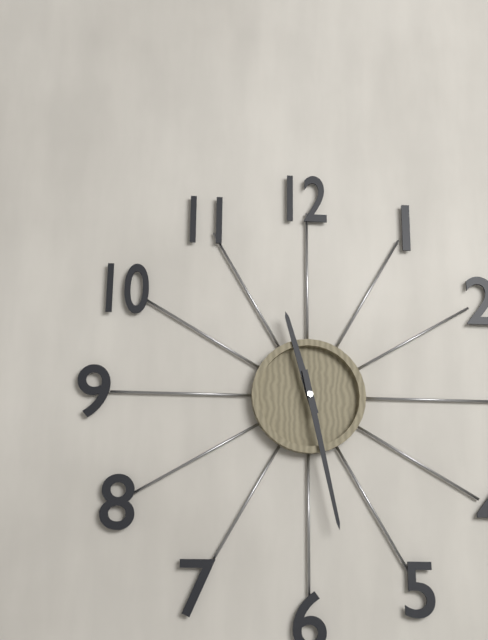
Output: 11.28
